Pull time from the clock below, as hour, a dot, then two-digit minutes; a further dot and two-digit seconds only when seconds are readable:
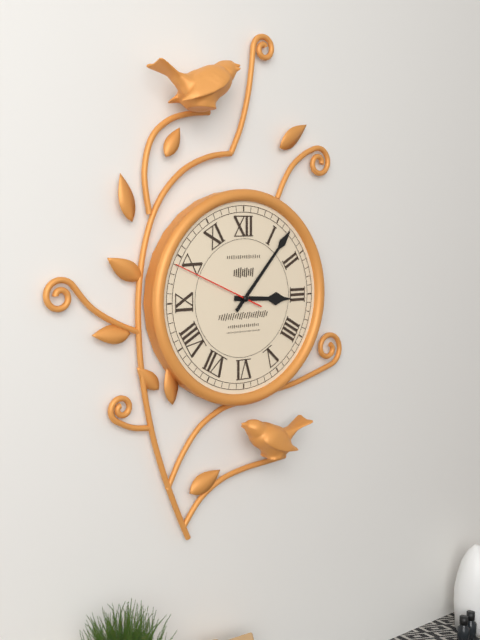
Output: 3.07.49
